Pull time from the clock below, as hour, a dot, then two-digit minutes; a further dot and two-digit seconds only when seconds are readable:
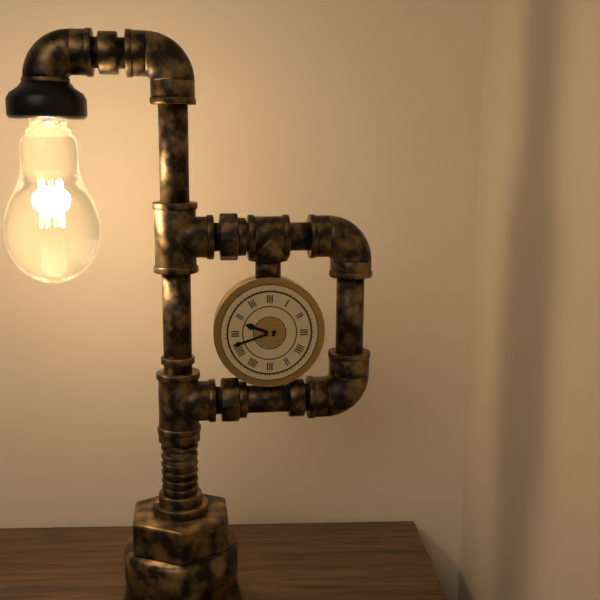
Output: 9.42
